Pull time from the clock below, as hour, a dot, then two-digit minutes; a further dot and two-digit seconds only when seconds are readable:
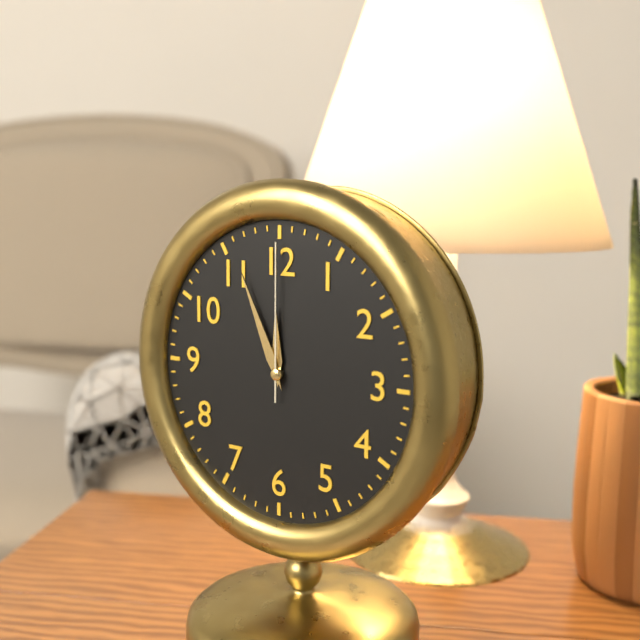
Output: 11.56.00
